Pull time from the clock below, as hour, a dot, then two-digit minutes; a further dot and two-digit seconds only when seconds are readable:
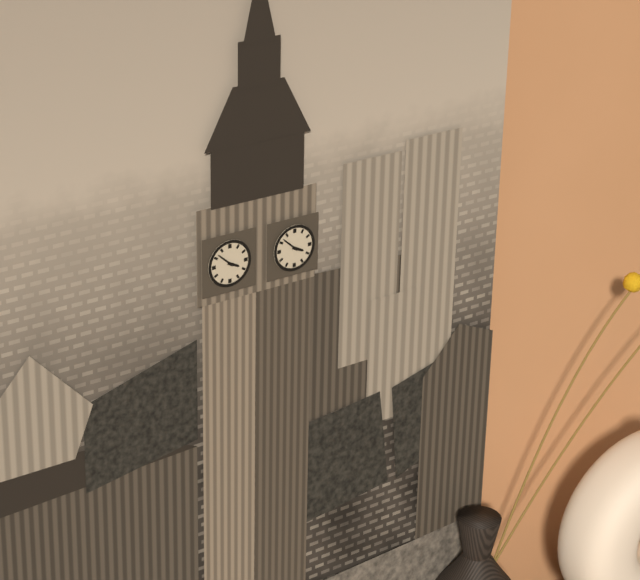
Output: 3.52
